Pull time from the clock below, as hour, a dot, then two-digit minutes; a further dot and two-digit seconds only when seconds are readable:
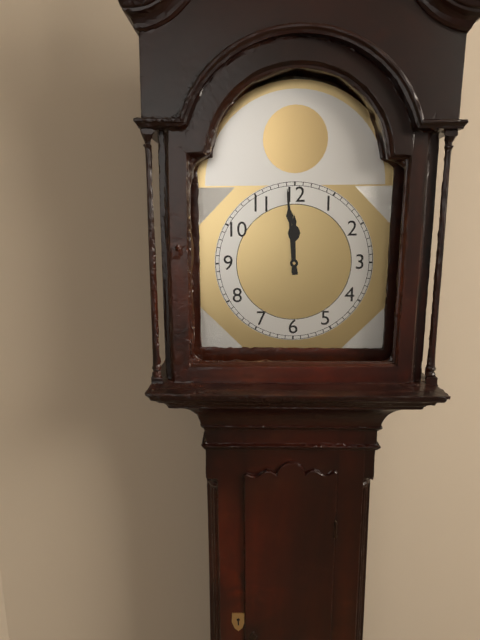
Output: 11.59
